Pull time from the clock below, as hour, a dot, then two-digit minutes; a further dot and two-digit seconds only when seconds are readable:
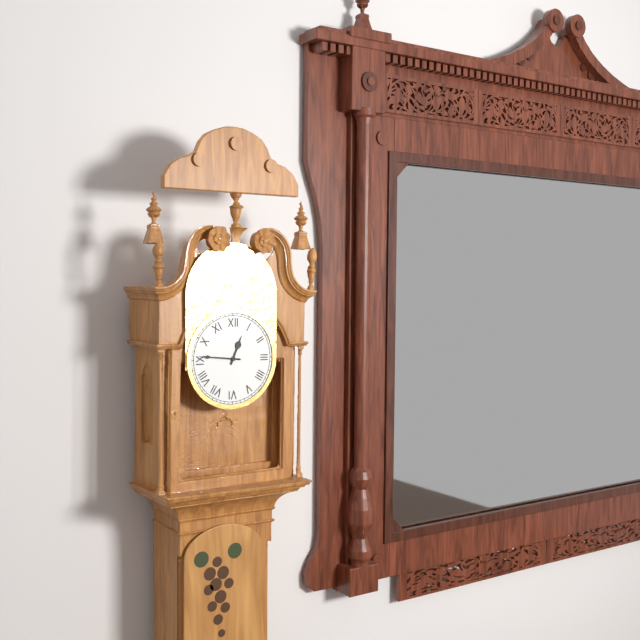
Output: 12.46
